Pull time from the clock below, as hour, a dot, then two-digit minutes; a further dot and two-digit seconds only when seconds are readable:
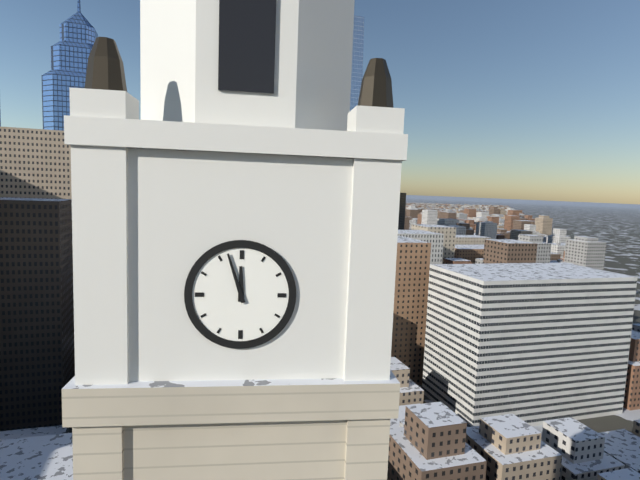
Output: 11.57
